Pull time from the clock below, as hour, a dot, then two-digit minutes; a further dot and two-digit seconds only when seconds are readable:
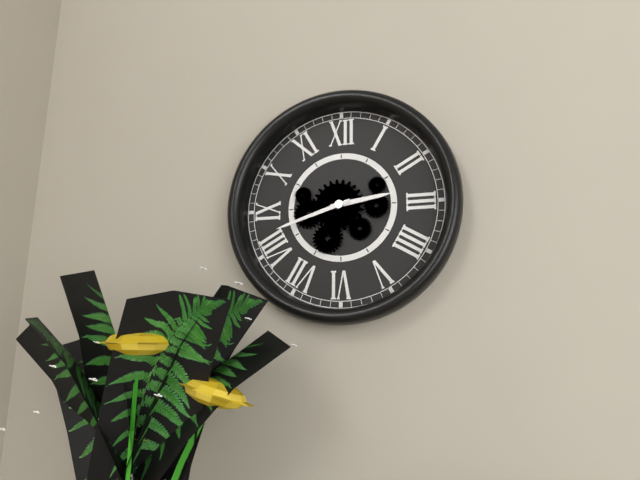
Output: 2.42
